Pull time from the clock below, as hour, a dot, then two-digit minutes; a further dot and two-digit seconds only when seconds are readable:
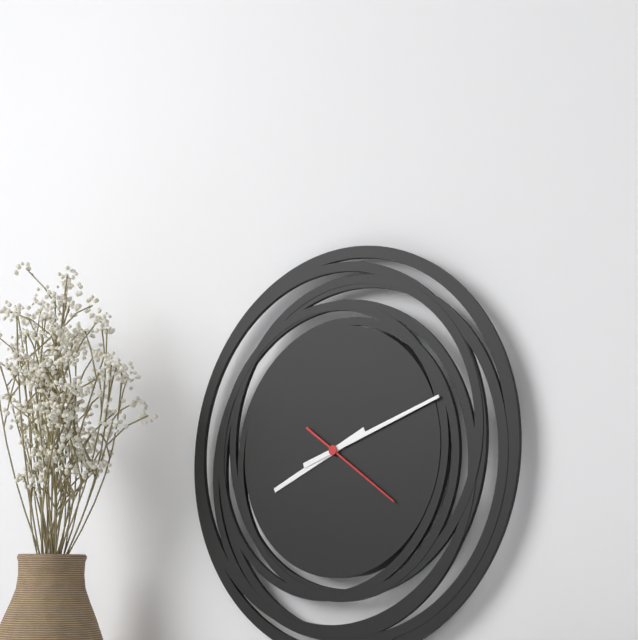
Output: 8.12.21
